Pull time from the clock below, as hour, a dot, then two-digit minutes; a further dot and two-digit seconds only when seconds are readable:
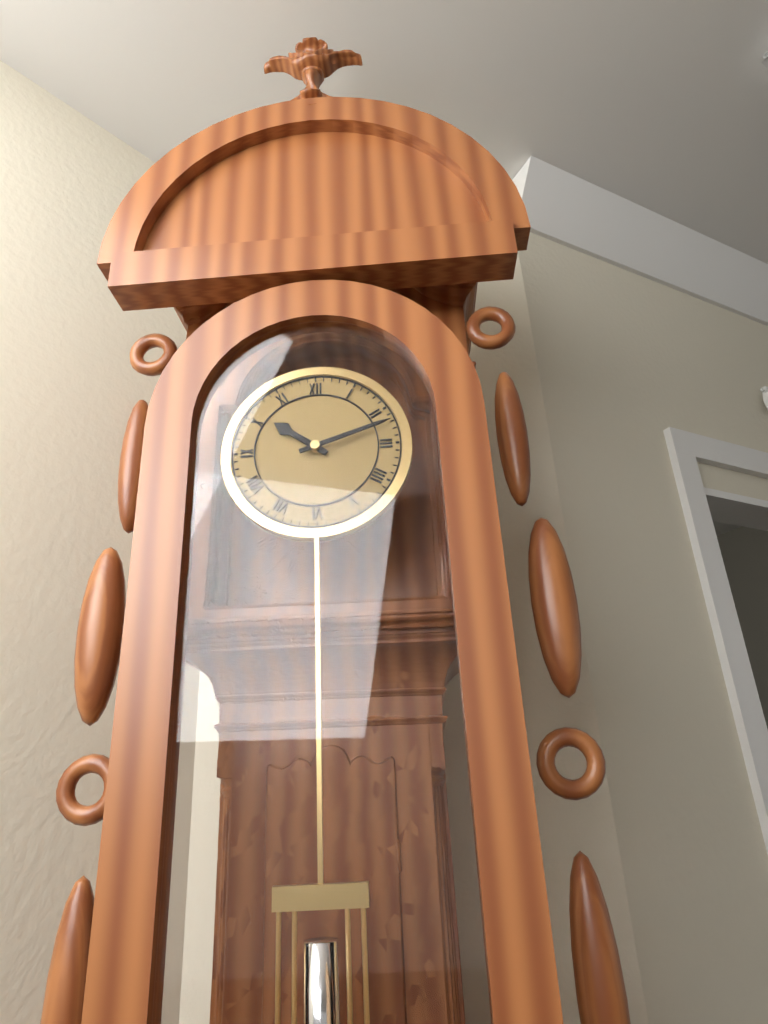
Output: 10.12
